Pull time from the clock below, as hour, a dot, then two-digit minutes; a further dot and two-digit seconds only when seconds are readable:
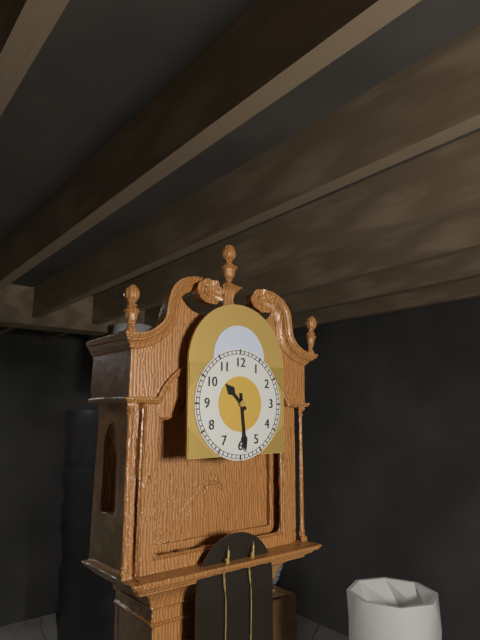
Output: 10.29
